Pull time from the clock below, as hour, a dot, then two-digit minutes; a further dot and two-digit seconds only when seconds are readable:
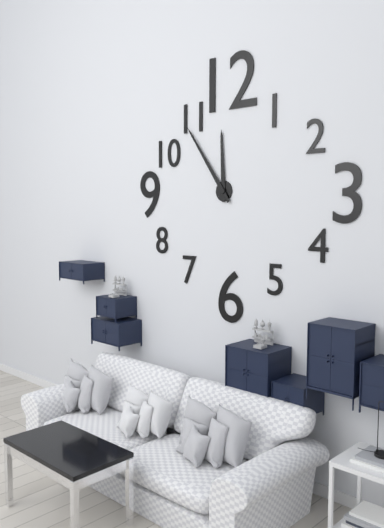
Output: 11.54
